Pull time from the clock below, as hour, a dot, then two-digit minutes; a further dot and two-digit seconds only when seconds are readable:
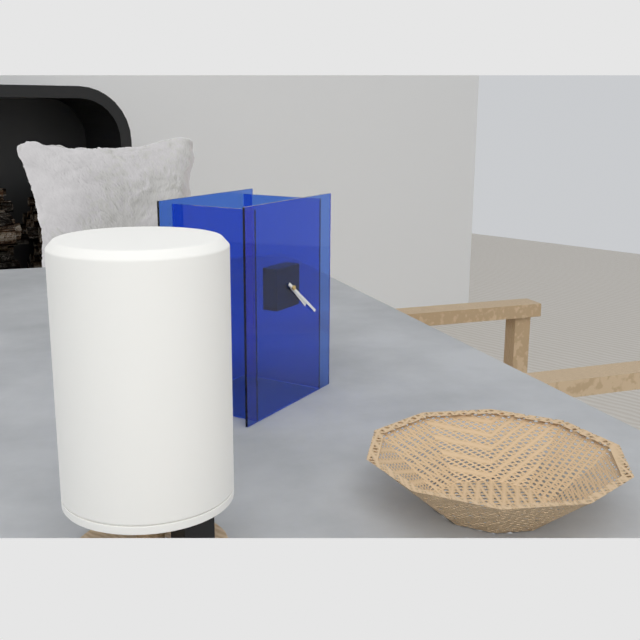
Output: 4.21
